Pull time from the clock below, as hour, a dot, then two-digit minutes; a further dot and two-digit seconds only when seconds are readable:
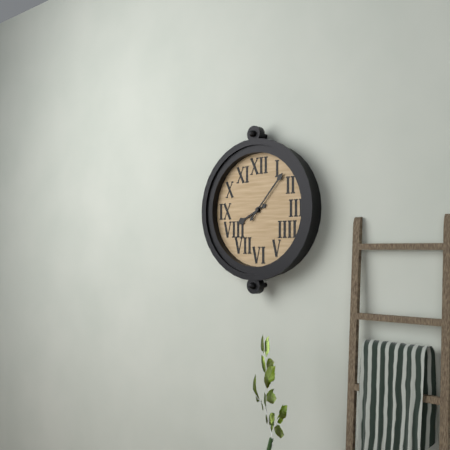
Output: 8.07
